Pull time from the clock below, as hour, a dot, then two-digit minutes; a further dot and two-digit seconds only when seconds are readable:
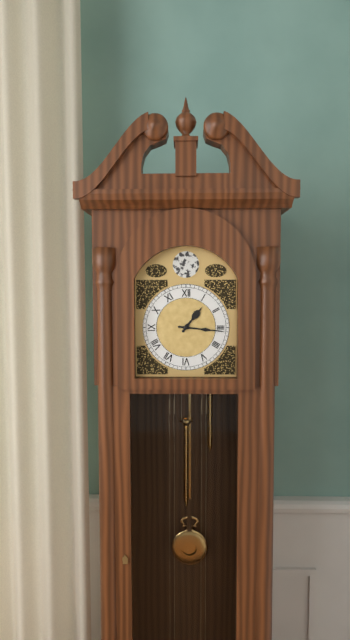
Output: 1.16
